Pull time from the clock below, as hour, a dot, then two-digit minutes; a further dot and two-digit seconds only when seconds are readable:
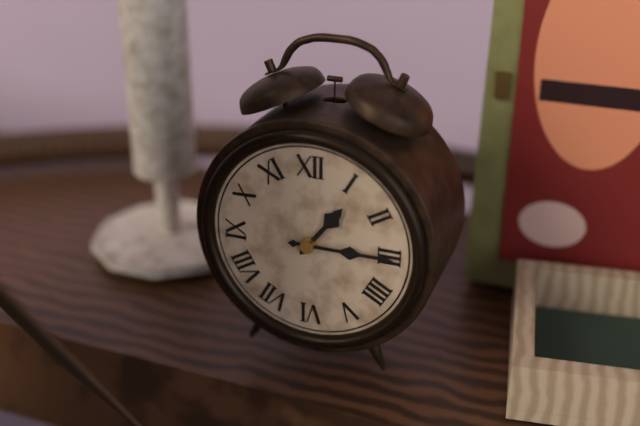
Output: 1.15
